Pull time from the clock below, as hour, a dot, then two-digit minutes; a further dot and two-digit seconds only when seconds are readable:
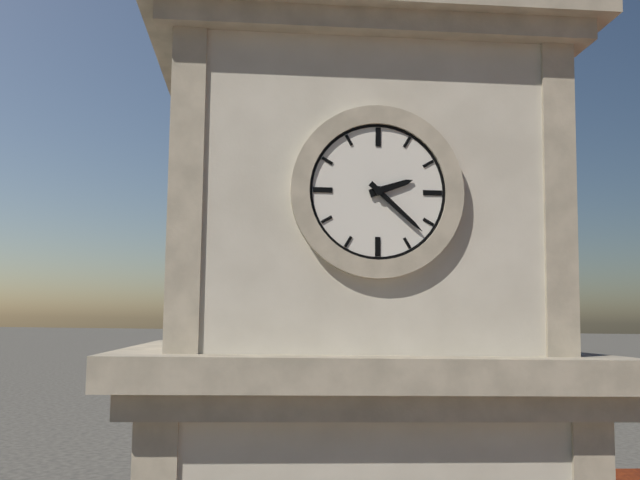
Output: 2.22
